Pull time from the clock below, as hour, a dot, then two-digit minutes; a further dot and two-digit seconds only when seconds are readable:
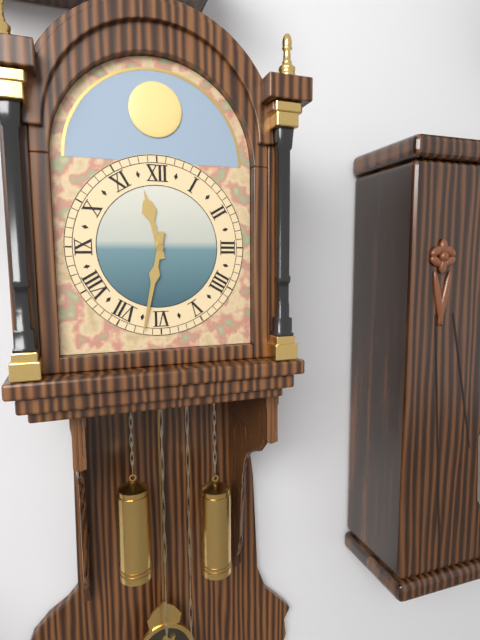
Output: 11.32
